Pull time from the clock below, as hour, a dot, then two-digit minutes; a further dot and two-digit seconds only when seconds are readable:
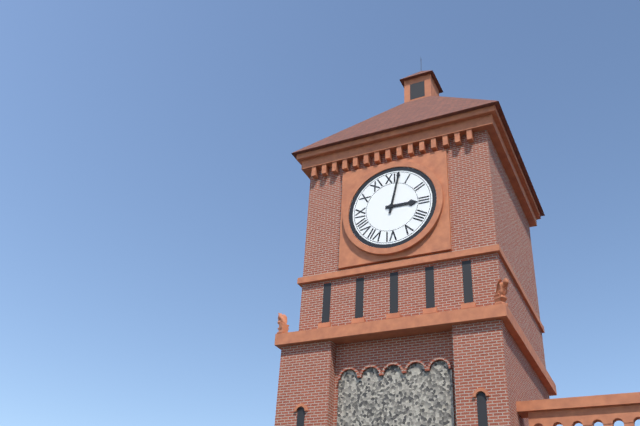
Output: 3.02
